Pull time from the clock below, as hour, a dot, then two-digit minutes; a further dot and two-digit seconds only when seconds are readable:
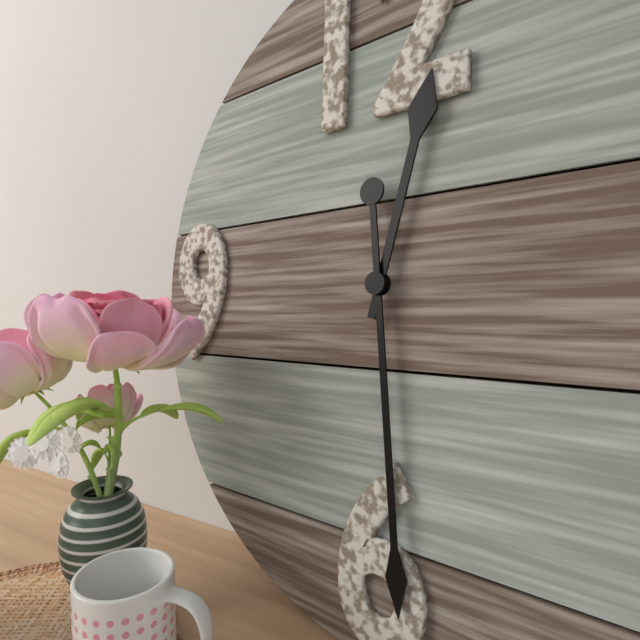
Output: 12.29
